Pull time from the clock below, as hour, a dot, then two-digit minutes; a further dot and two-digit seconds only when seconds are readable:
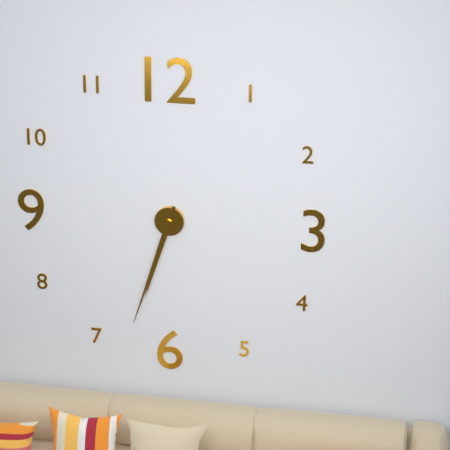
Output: 6.33
